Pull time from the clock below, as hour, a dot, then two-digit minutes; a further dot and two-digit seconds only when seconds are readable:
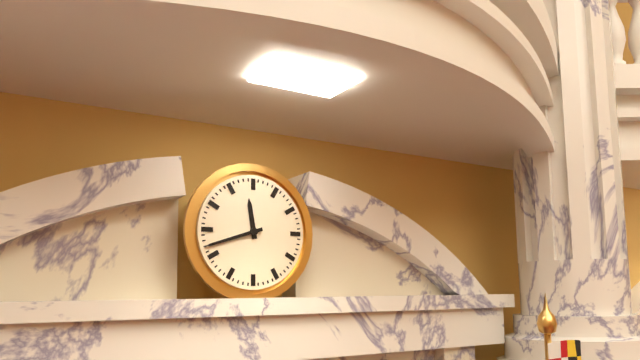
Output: 11.42
